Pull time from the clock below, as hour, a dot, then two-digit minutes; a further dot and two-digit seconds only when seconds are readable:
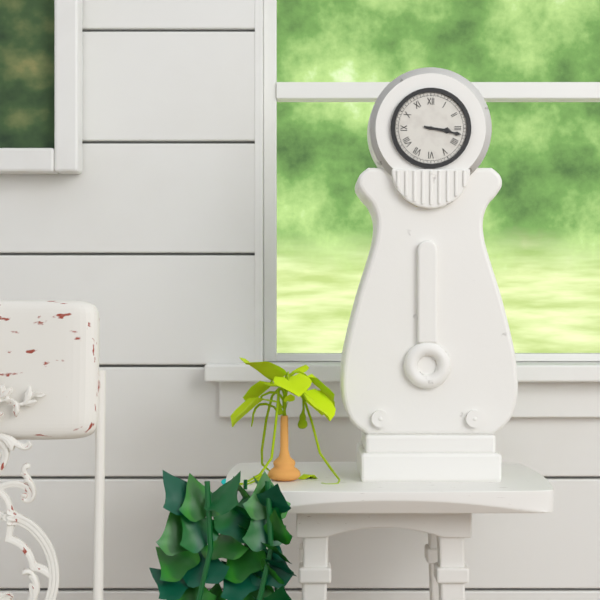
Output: 3.17
